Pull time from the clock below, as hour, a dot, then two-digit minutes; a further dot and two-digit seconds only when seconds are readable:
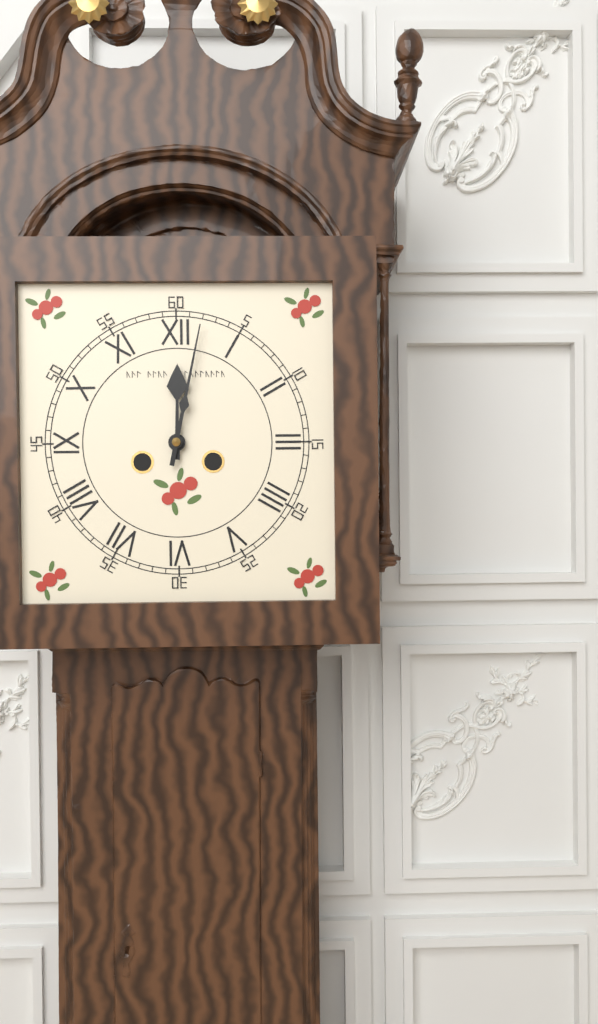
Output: 12.02
